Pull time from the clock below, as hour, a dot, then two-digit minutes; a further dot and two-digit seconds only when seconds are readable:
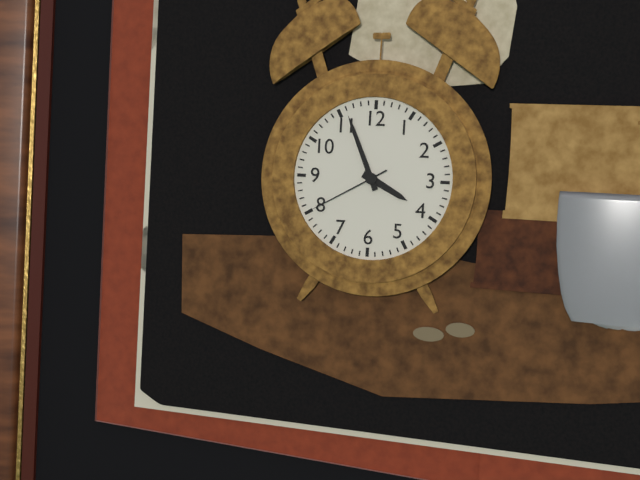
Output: 3.56.40
